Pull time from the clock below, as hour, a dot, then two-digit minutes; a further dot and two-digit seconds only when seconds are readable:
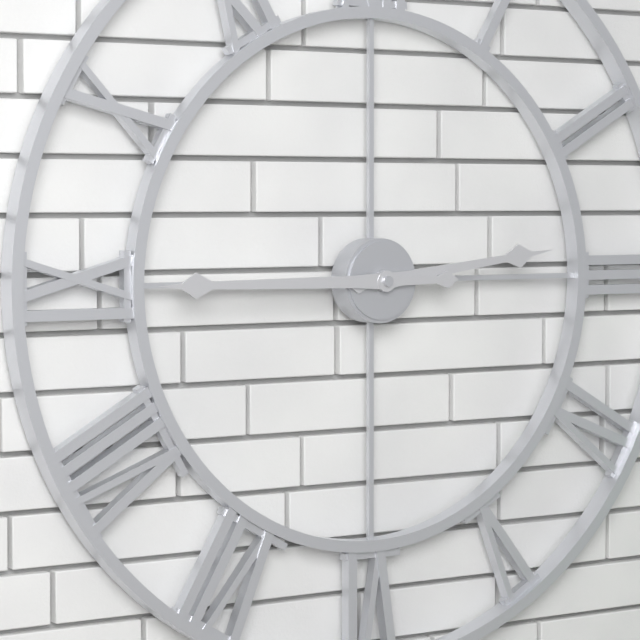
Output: 2.45
